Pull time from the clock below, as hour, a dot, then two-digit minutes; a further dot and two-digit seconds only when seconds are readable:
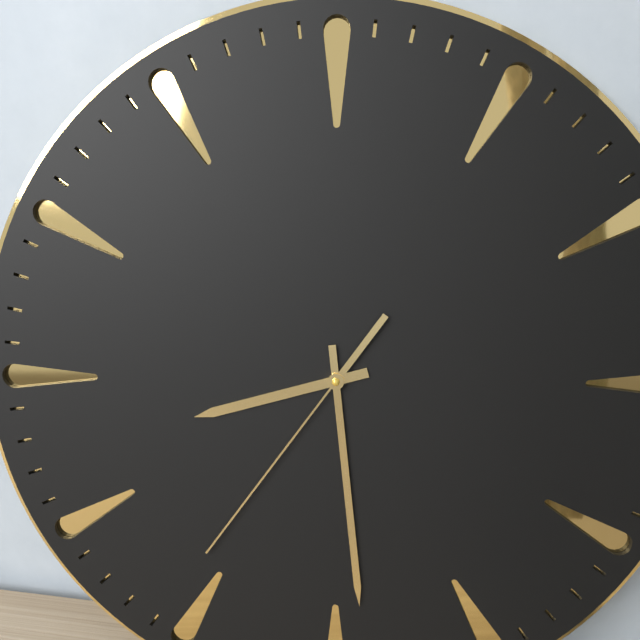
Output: 8.29.36
